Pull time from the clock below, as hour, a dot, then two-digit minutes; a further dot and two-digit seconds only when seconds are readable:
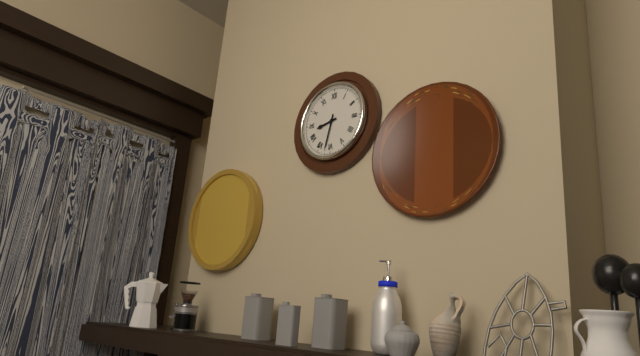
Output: 8.32
